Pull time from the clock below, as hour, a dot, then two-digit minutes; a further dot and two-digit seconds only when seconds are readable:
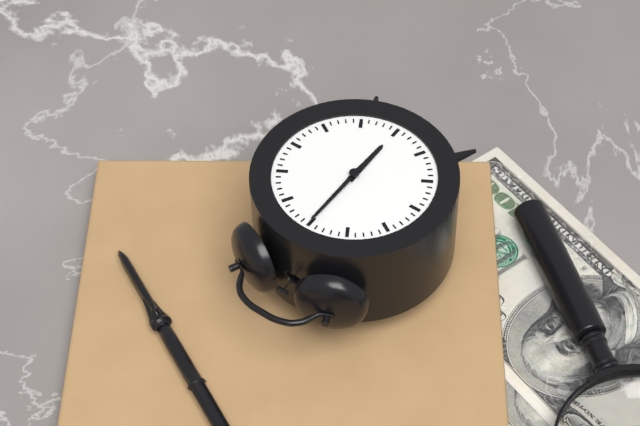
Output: 6.00
